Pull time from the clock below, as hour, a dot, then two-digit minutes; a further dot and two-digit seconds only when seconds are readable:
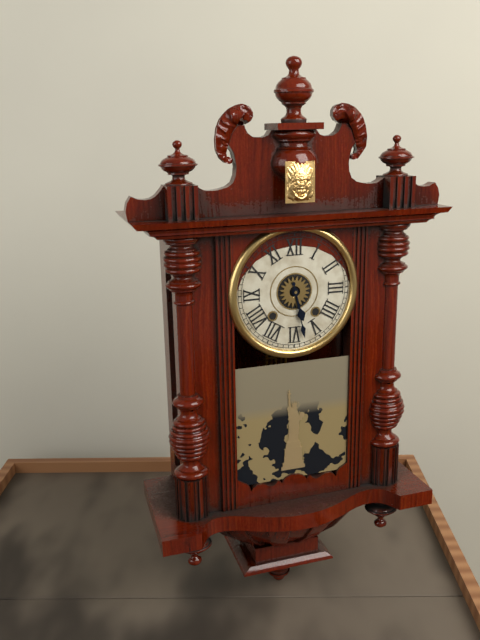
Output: 5.28
